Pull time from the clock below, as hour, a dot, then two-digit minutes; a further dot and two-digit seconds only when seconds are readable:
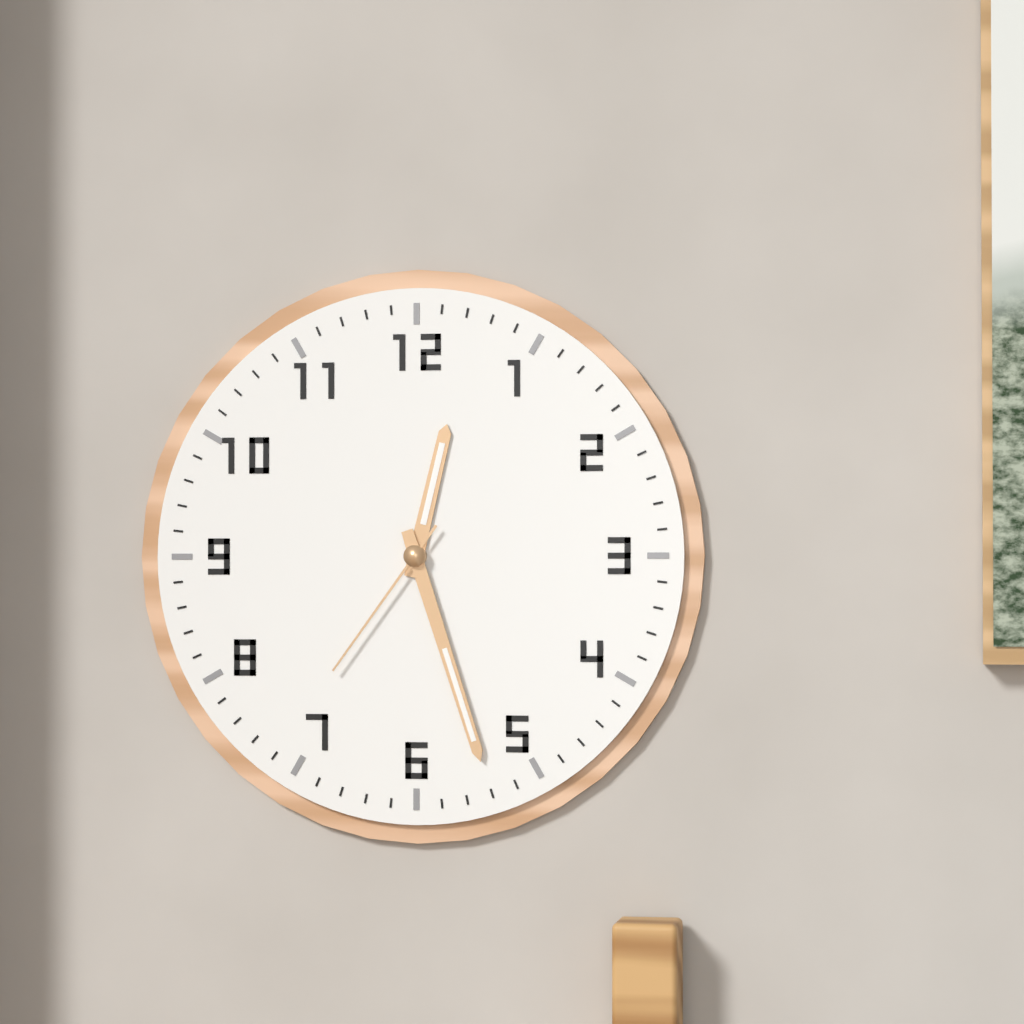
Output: 12.27.36
